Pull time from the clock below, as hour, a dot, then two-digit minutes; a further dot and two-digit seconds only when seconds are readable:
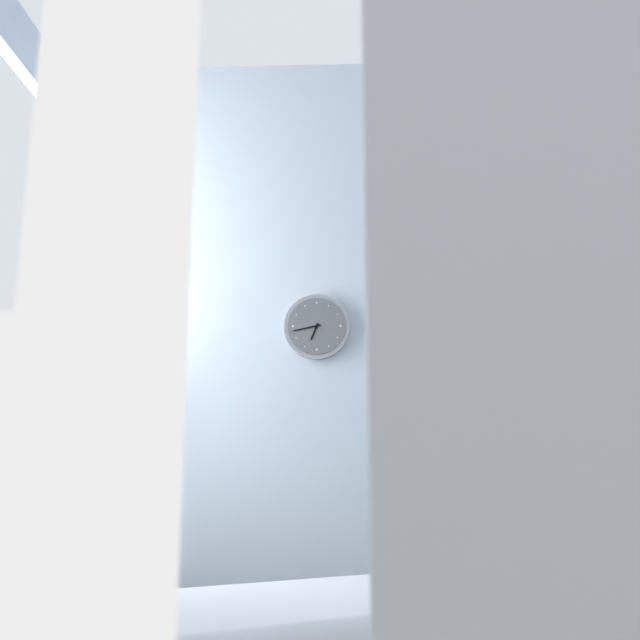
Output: 6.43
